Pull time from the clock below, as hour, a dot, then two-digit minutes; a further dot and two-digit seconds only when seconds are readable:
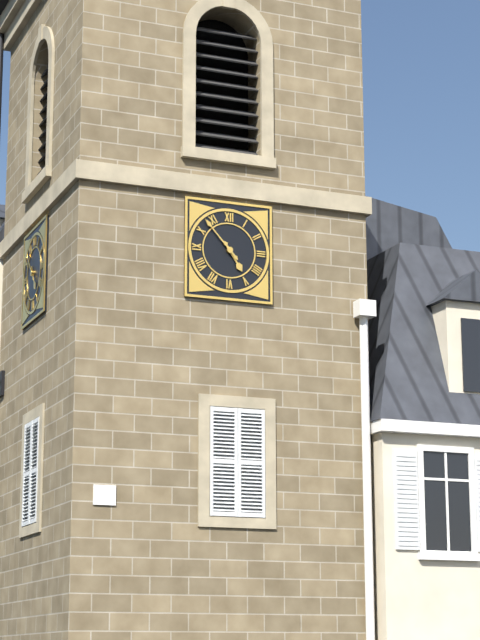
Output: 4.53
